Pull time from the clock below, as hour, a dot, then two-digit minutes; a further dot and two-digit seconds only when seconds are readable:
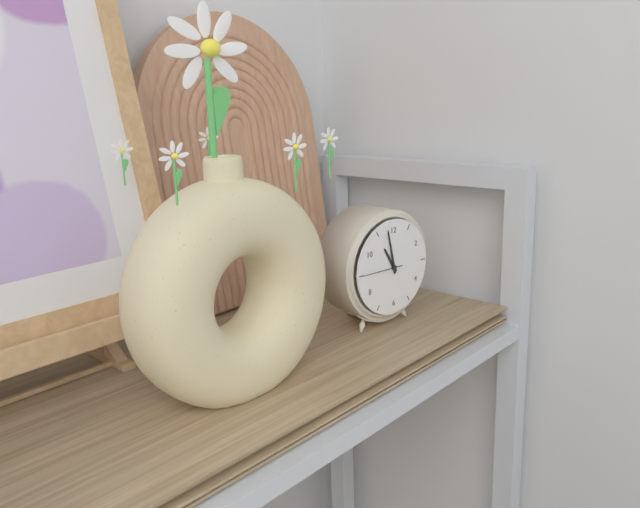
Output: 10.58
